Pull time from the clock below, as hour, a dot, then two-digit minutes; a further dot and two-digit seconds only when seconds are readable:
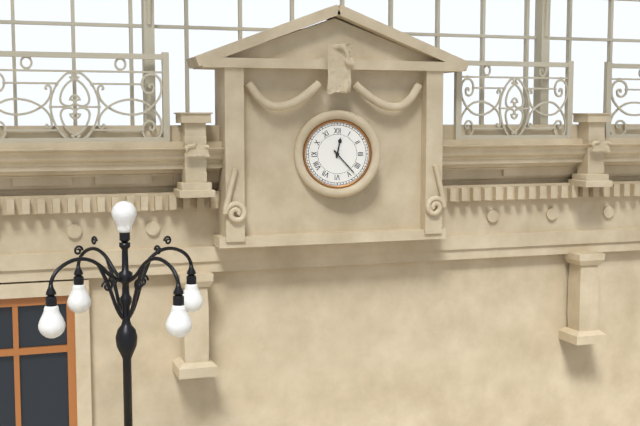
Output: 12.23
